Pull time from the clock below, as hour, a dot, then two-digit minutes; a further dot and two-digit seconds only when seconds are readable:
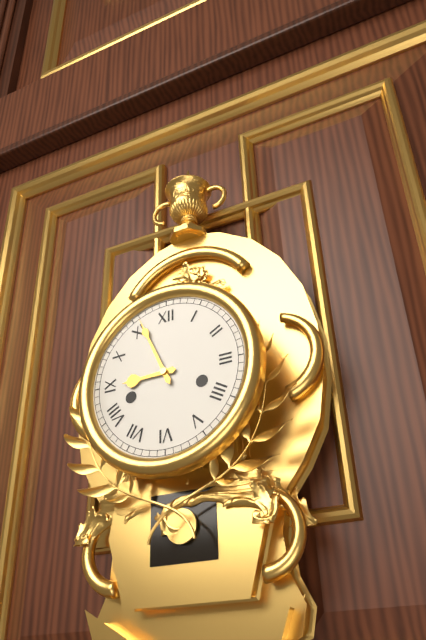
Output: 8.56
